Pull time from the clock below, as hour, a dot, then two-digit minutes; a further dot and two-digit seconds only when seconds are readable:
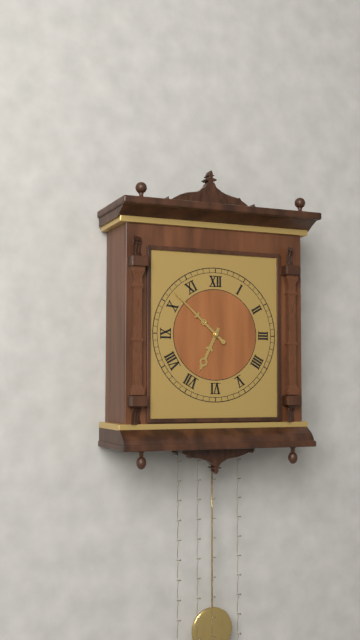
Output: 6.52
